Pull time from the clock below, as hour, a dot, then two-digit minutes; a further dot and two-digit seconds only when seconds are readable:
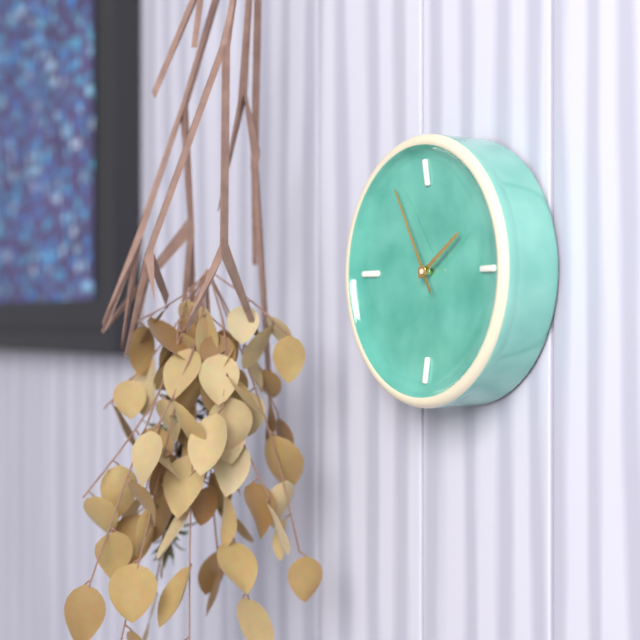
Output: 1.55
